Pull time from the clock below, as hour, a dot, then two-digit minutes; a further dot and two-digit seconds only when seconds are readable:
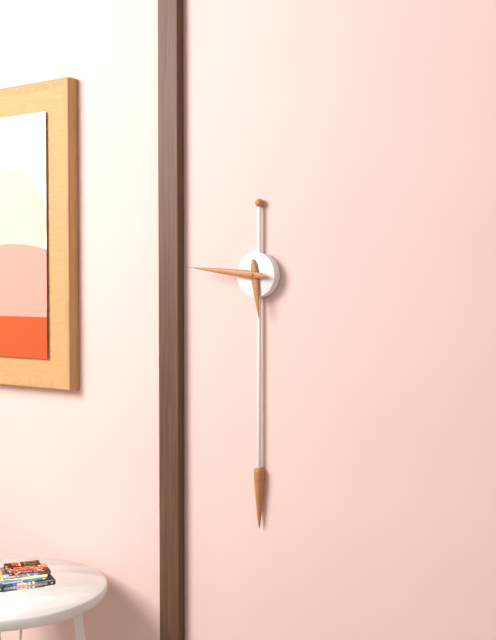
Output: 5.46
